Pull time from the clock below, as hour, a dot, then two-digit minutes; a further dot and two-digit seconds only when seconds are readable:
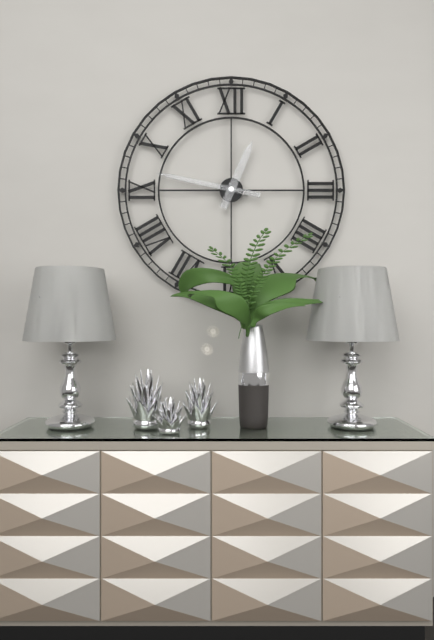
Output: 12.47
